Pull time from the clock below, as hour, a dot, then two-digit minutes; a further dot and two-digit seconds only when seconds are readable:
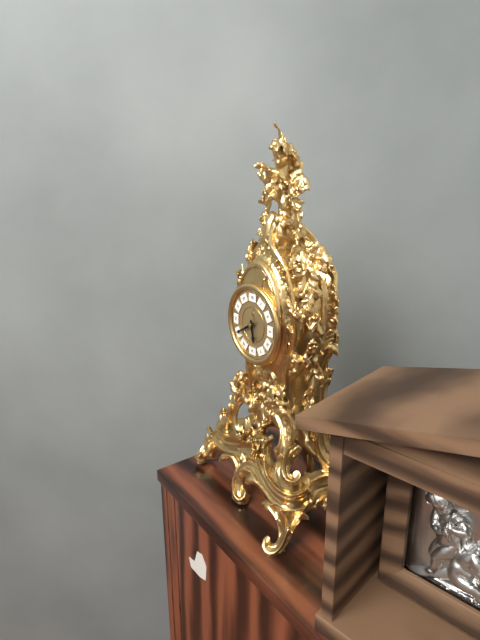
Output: 5.40
